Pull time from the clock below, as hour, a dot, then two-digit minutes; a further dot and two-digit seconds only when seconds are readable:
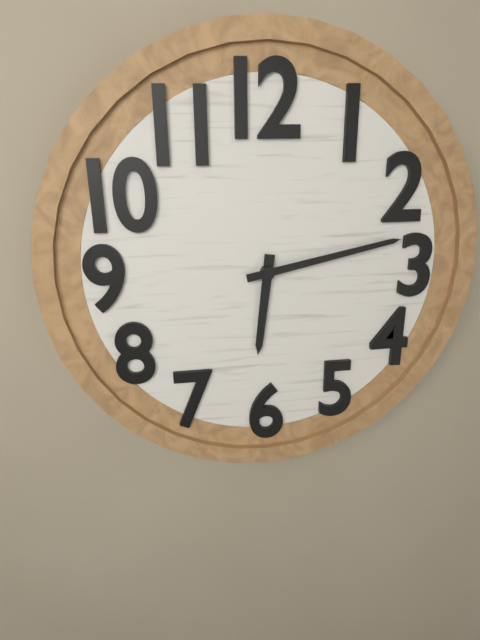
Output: 6.13
